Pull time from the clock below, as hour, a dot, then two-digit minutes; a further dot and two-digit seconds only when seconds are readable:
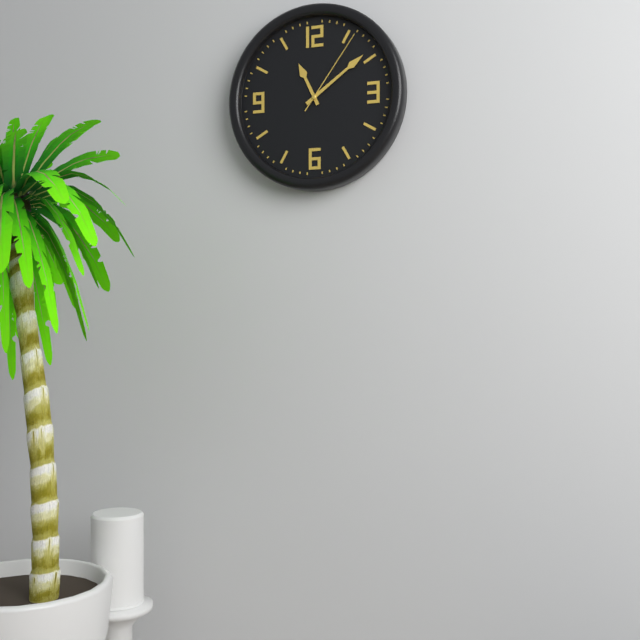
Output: 11.09.06
